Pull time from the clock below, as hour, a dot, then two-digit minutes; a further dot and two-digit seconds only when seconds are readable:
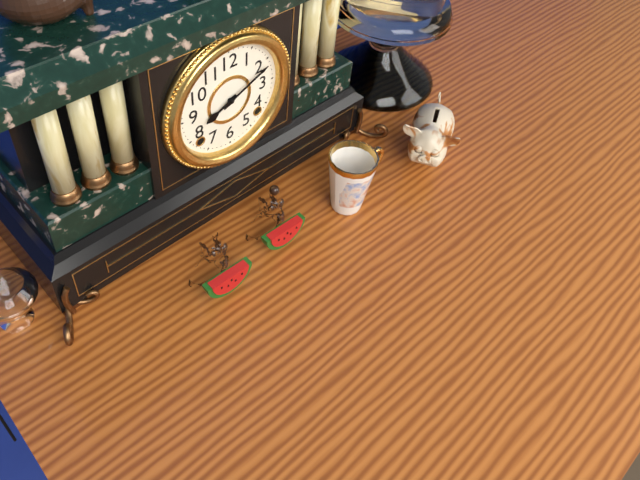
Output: 8.11
